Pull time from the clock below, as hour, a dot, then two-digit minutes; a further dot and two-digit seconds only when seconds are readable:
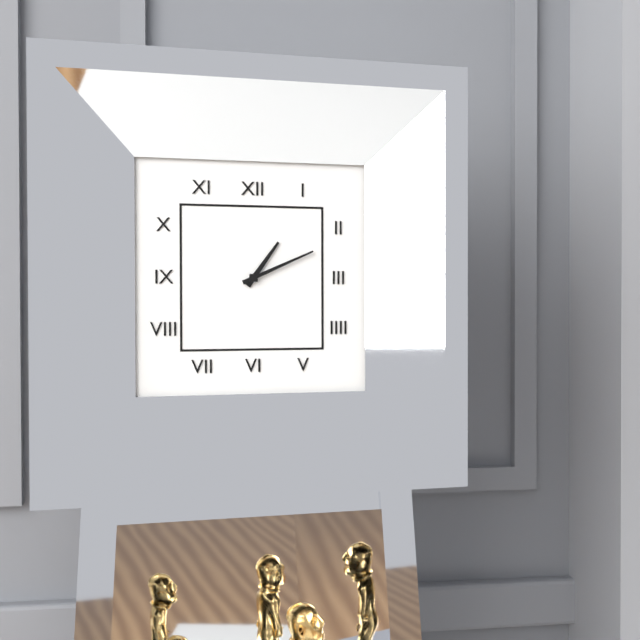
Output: 1.11
